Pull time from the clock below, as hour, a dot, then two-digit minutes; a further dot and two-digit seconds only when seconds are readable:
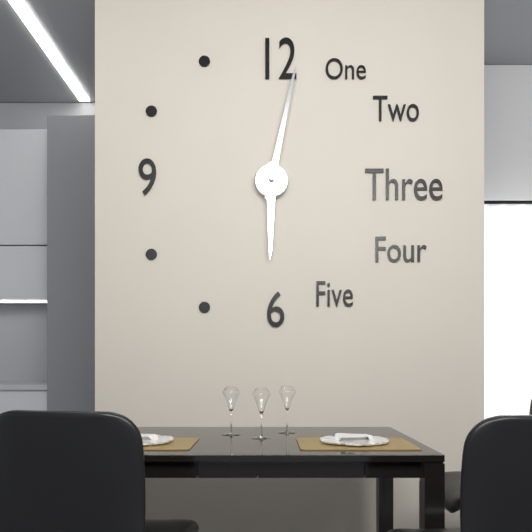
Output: 6.02
